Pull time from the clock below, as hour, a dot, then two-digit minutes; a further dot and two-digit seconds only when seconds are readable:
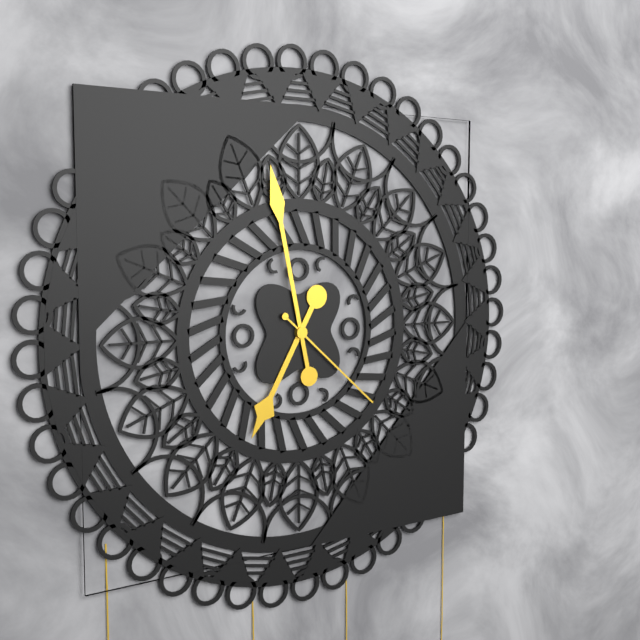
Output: 6.58.22
